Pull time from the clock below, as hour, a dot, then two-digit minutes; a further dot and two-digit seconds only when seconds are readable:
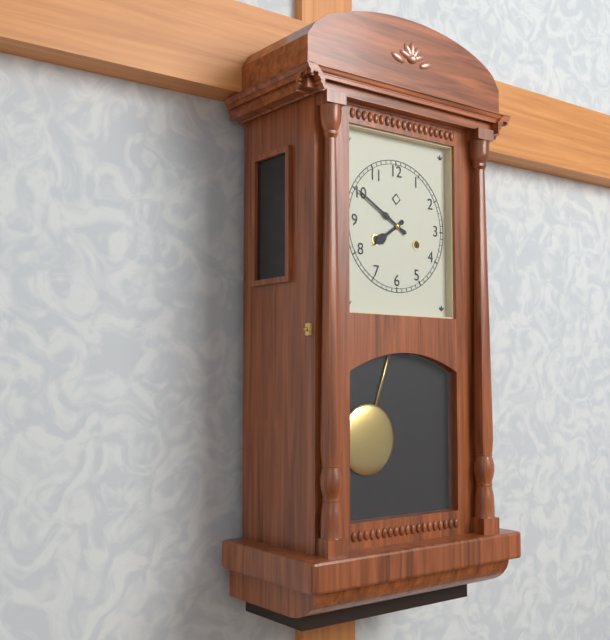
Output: 7.50
